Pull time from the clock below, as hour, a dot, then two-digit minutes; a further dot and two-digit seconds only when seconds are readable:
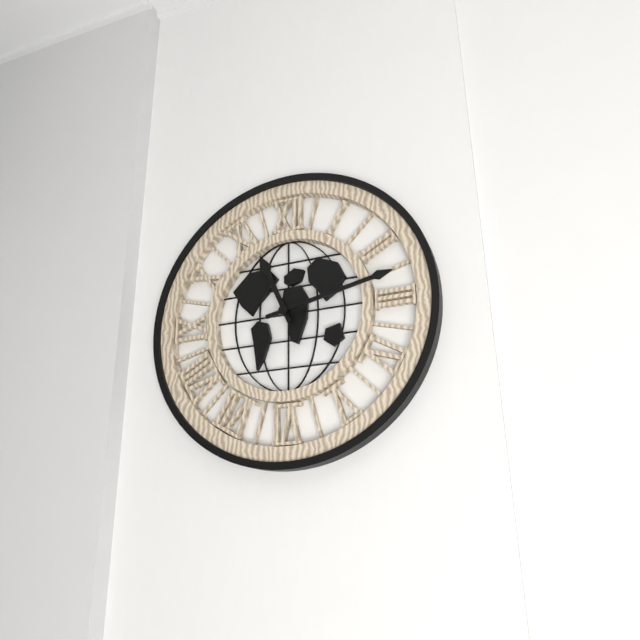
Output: 11.13
